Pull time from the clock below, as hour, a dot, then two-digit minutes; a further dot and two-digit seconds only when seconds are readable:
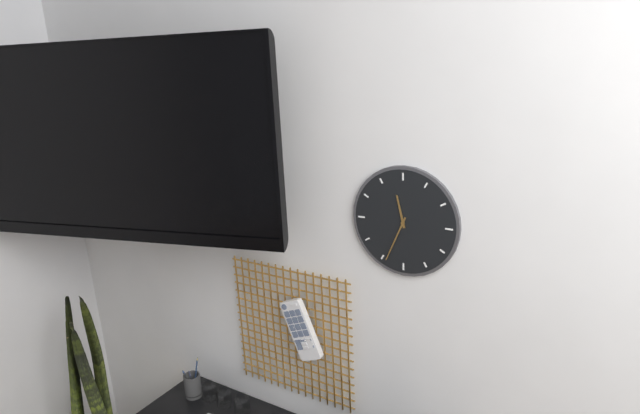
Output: 11.34
